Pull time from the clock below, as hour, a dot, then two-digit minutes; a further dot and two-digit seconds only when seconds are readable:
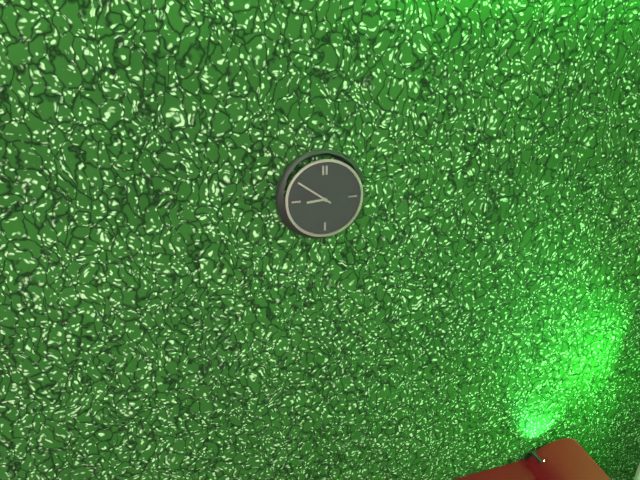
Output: 8.51
